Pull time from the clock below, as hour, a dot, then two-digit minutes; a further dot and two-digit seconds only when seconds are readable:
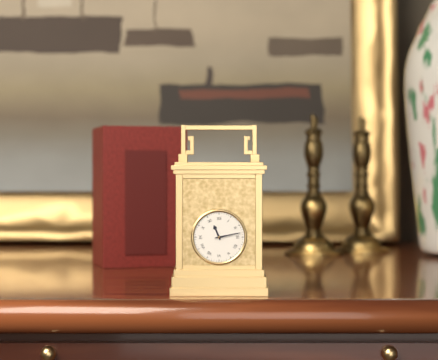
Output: 11.13
